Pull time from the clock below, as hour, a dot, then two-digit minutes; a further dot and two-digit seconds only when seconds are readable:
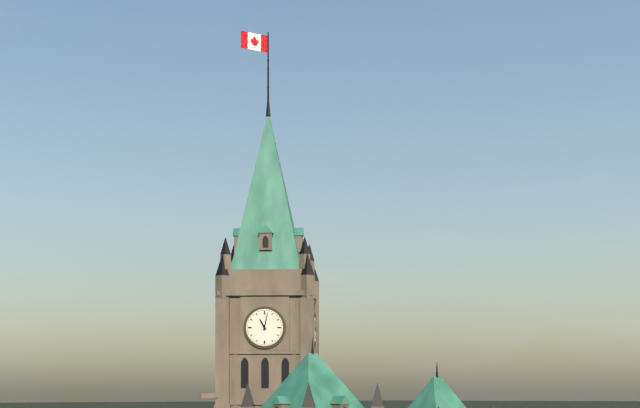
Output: 11.02
